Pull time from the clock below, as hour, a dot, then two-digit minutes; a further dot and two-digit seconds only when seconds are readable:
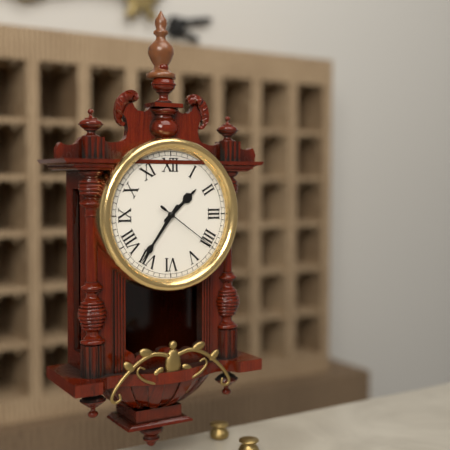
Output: 1.36.21
